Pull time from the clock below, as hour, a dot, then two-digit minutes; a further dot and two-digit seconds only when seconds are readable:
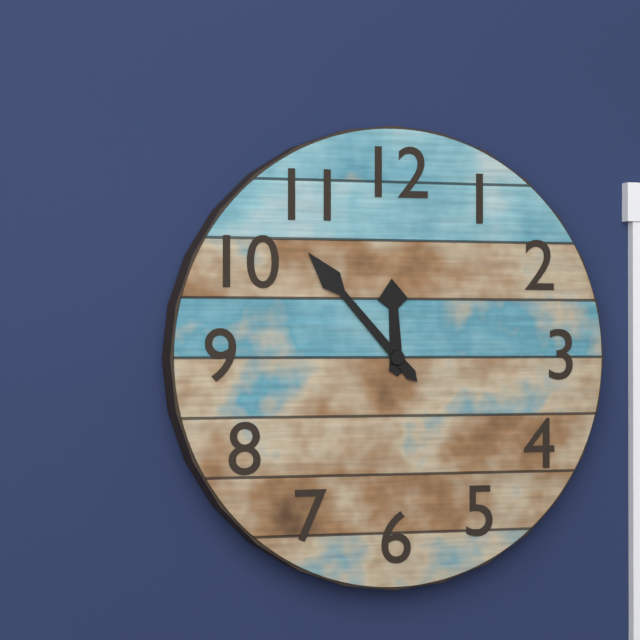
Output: 11.53
